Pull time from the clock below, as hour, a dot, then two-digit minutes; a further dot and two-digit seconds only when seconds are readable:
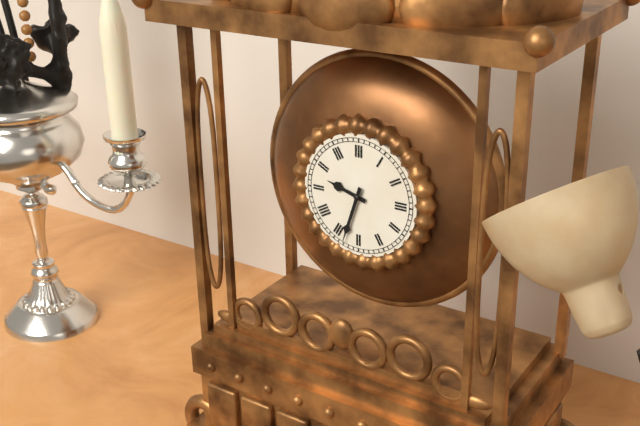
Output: 9.33
